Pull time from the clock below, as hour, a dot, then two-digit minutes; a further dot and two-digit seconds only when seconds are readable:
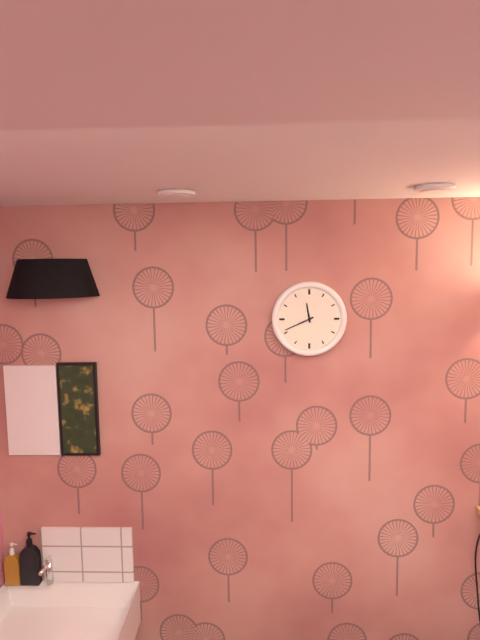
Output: 11.41
